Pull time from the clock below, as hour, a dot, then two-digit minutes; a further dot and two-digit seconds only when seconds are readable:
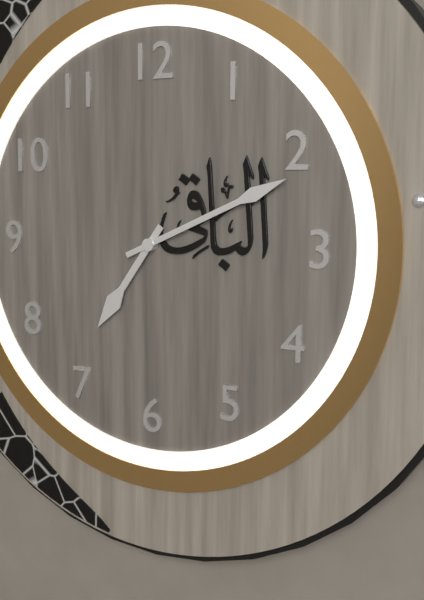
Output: 7.11
